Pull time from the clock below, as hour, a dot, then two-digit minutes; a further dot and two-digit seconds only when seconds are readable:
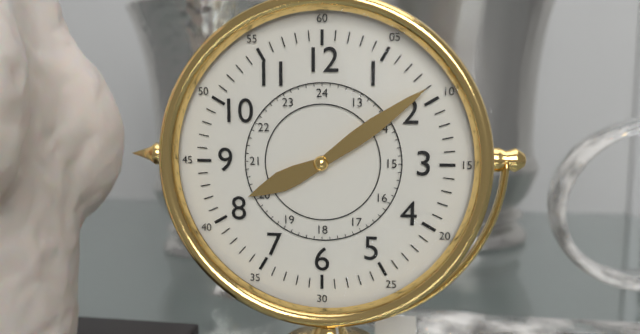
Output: 8.09
